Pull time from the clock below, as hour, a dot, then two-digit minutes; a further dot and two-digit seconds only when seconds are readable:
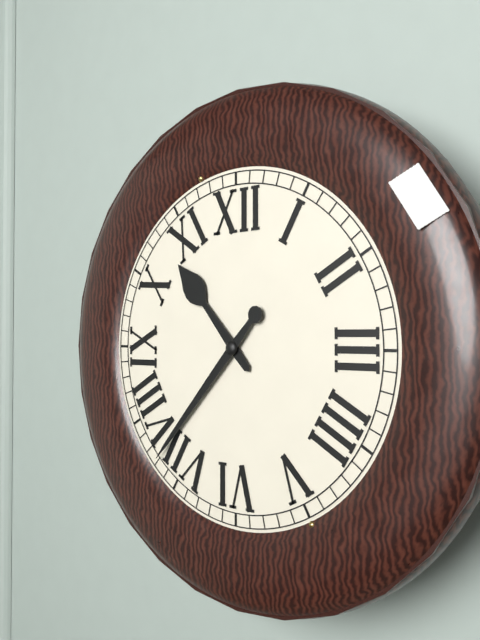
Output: 10.37
